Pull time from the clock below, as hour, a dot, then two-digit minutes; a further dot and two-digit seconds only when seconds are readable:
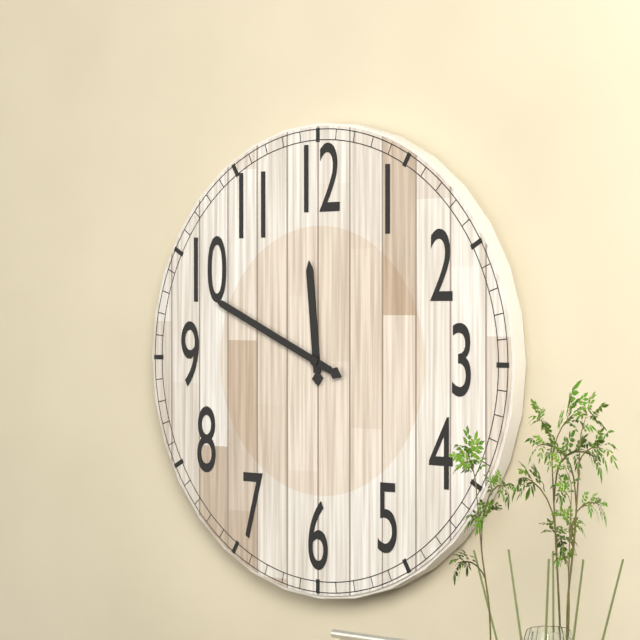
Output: 11.49
